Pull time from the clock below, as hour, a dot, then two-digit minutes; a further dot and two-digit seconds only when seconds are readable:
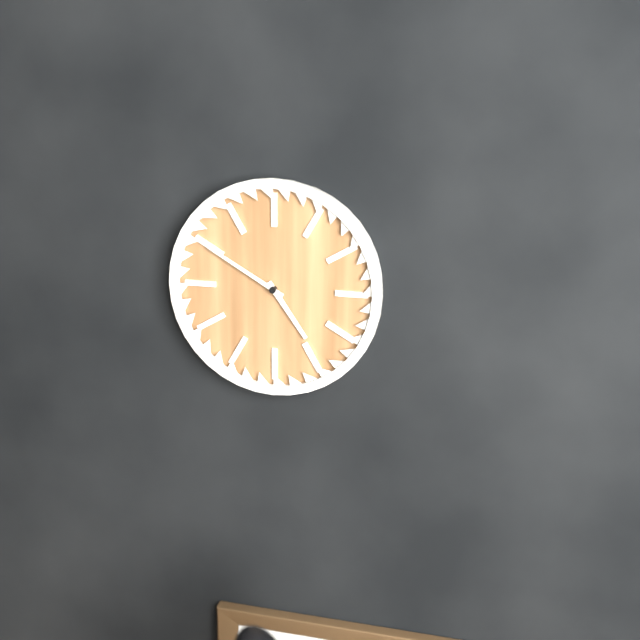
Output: 4.50
